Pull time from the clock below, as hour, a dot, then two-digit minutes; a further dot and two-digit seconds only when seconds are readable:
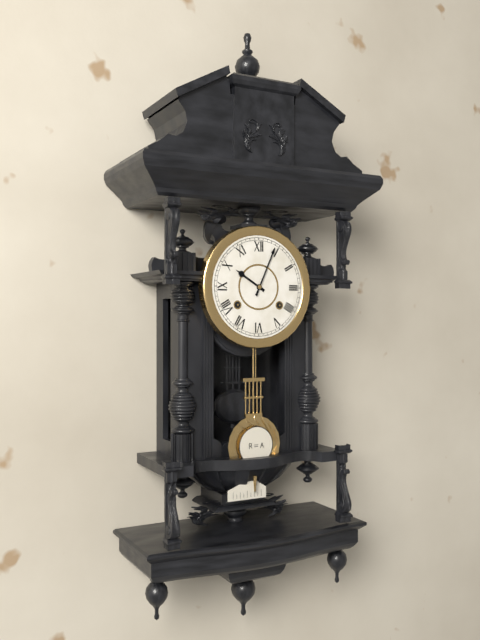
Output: 10.04
